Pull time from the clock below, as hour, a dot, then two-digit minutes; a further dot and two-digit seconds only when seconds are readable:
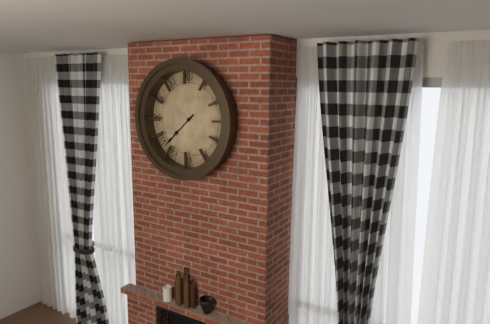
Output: 7.38
